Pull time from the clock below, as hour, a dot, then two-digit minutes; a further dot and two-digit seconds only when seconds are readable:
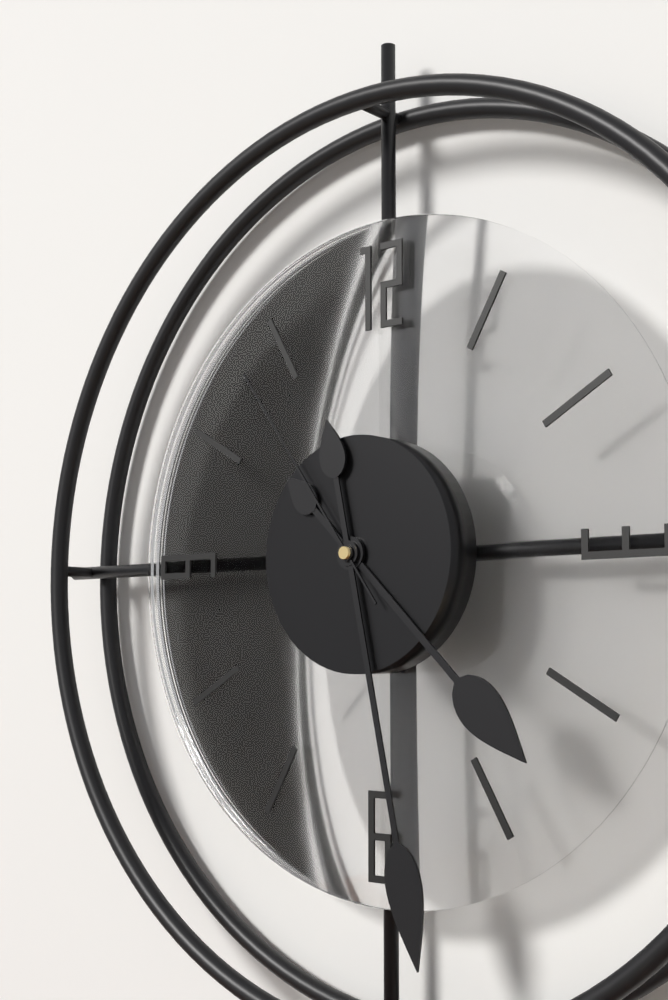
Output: 4.28.54
